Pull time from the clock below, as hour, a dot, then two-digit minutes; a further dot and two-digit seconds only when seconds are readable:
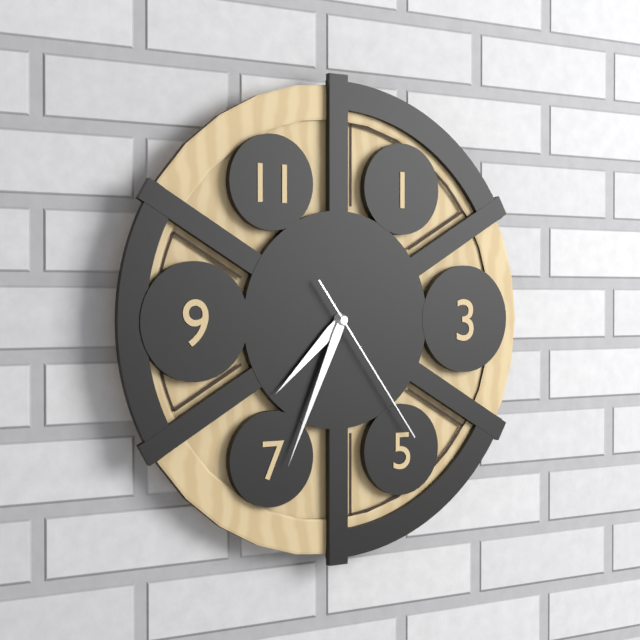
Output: 7.34.24
